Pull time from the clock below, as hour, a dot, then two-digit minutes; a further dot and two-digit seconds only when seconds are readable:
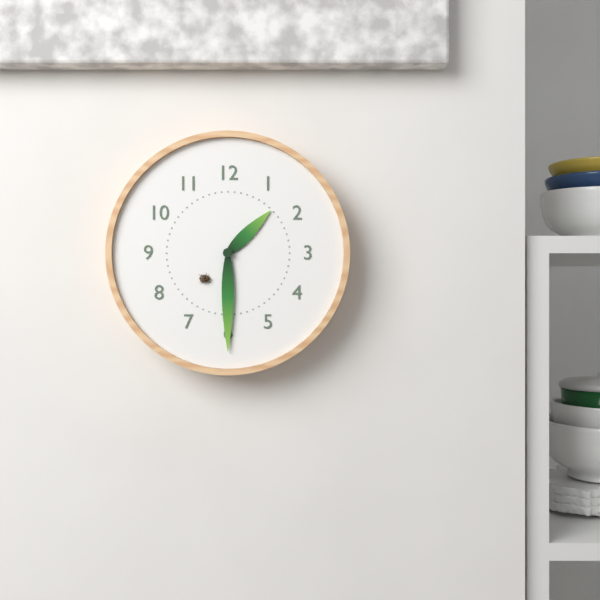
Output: 1.30
